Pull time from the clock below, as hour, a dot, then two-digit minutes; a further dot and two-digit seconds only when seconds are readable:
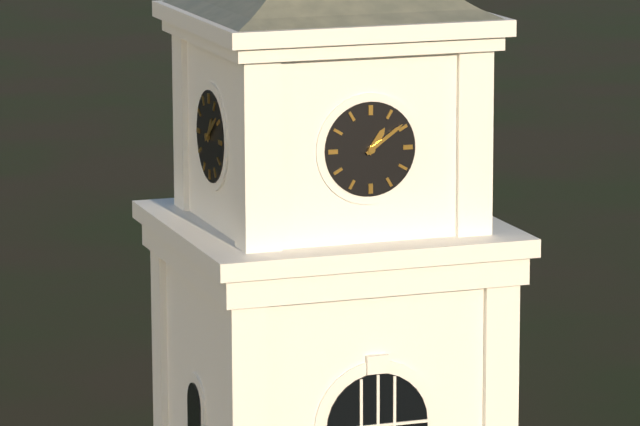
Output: 1.09
